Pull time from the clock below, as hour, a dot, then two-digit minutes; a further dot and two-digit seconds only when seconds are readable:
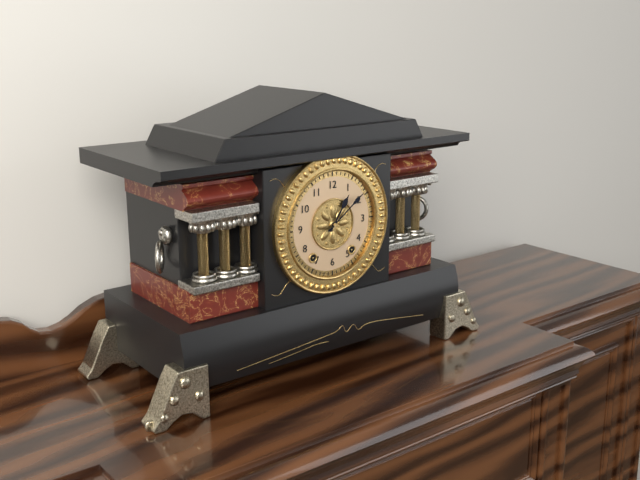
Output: 1.09
